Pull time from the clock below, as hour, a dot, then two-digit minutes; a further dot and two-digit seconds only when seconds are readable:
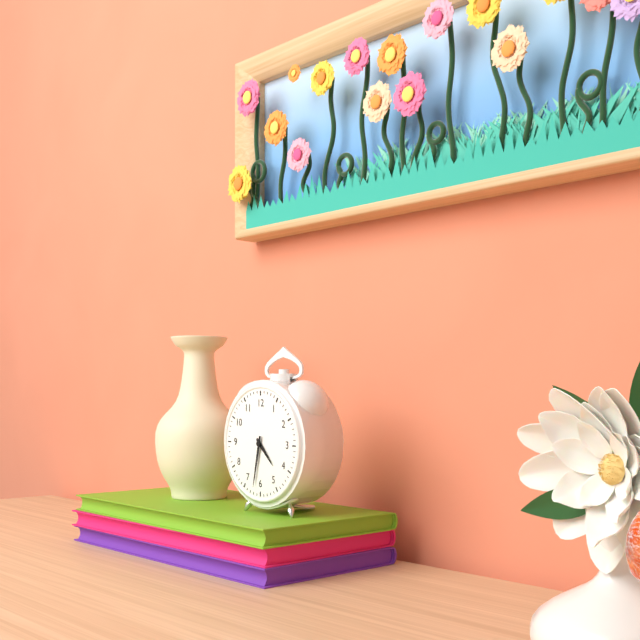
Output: 4.32
